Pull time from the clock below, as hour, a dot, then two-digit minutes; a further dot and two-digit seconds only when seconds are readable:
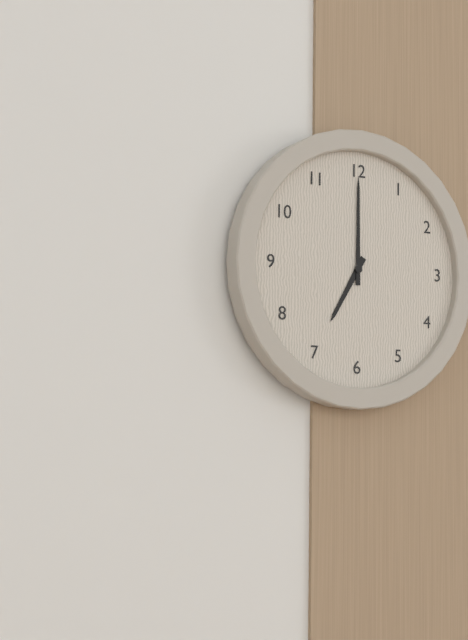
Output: 7.00
